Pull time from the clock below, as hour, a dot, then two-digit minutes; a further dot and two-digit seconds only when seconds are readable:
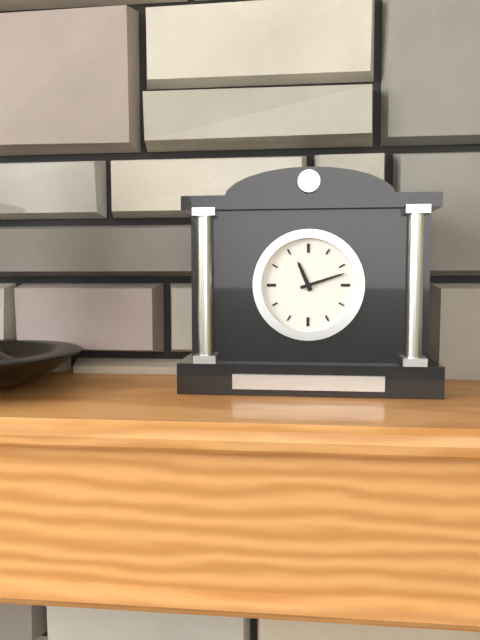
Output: 11.12
